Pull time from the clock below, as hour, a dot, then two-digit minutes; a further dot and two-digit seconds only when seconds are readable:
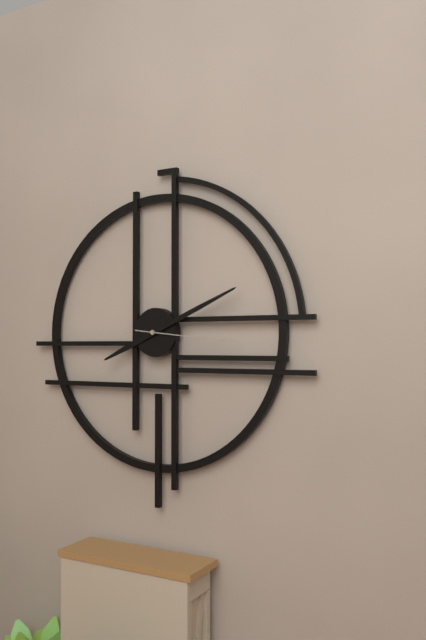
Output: 8.11.16
